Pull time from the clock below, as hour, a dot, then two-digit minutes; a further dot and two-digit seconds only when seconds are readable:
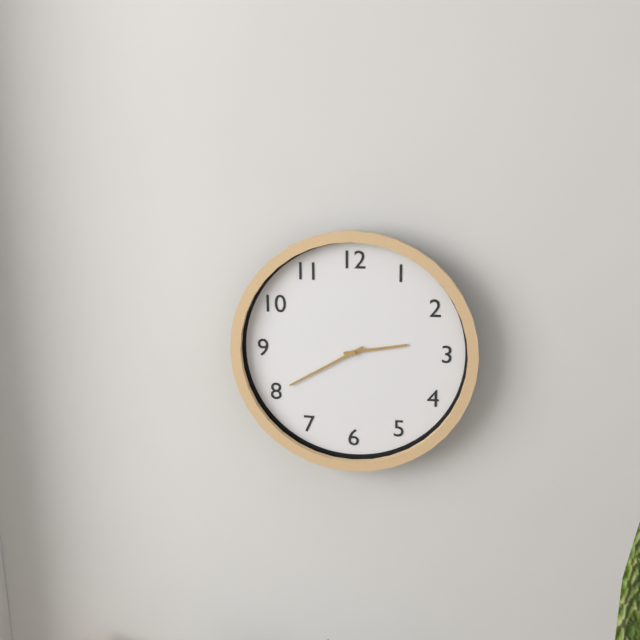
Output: 2.40
